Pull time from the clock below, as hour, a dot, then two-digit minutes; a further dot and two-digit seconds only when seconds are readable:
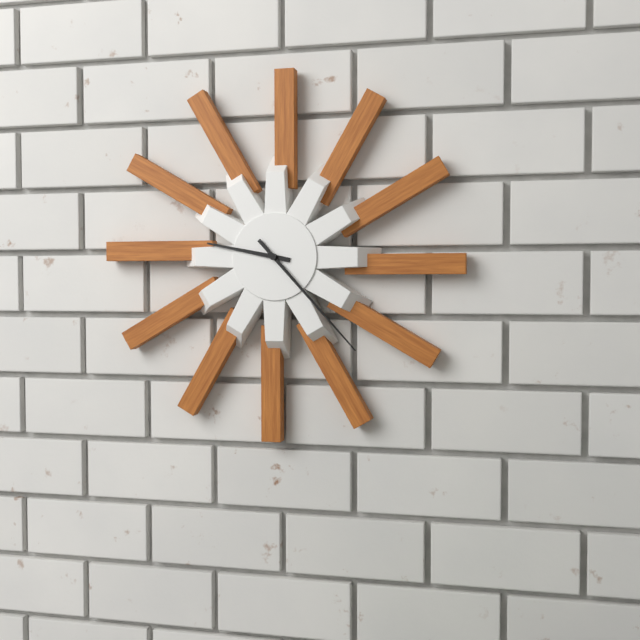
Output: 9.23
